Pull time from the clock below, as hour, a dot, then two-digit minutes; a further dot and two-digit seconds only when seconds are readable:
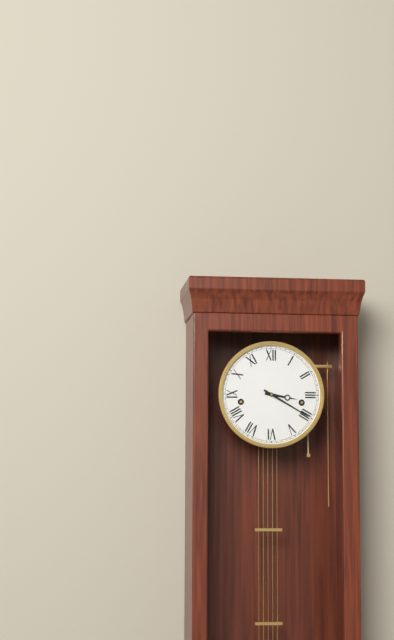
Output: 3.20
